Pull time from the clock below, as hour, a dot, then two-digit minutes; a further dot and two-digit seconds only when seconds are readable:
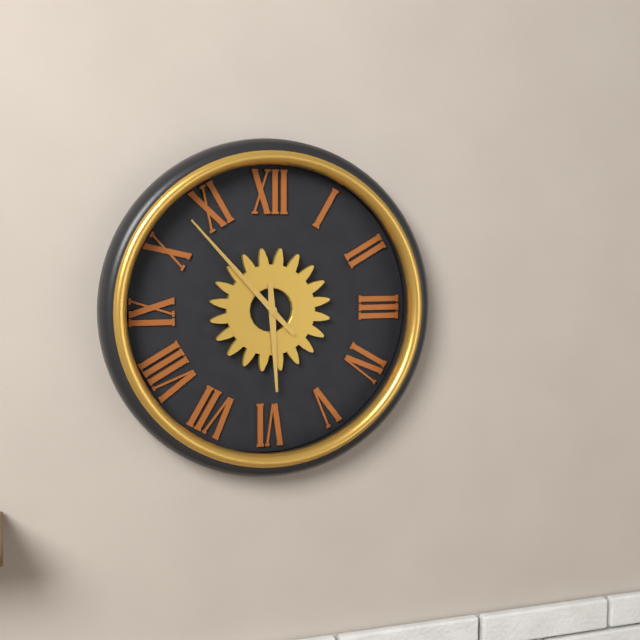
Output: 5.53
